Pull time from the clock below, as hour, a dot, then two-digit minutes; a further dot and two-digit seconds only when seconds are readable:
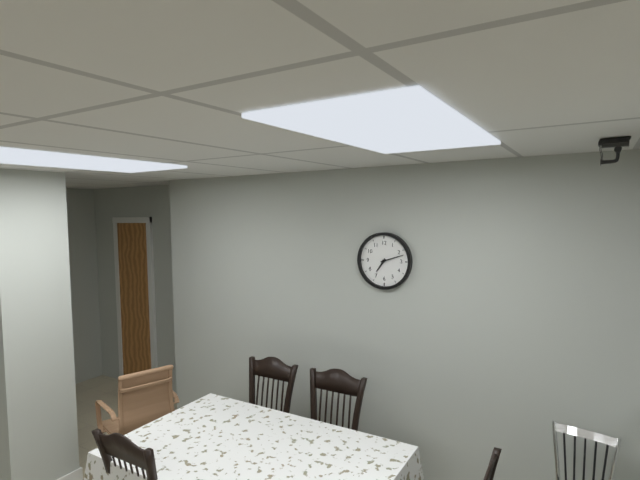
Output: 7.12
